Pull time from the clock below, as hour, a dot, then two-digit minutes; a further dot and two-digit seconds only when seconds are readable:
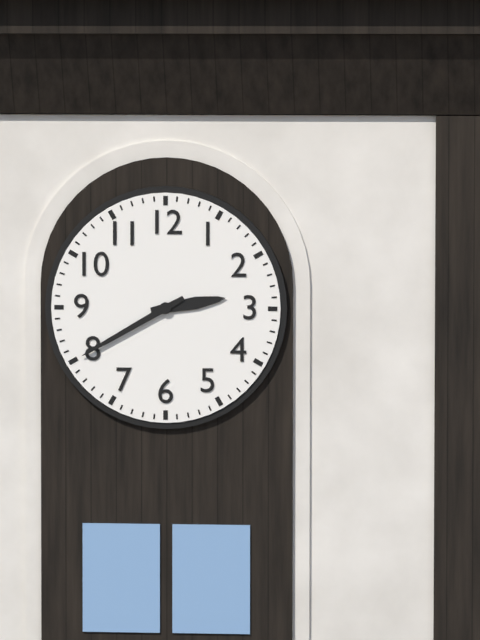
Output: 2.40
